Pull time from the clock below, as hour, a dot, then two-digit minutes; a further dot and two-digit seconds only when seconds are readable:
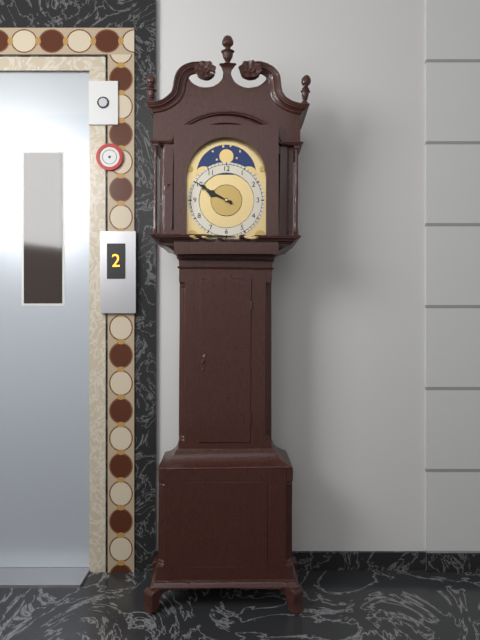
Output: 9.50
